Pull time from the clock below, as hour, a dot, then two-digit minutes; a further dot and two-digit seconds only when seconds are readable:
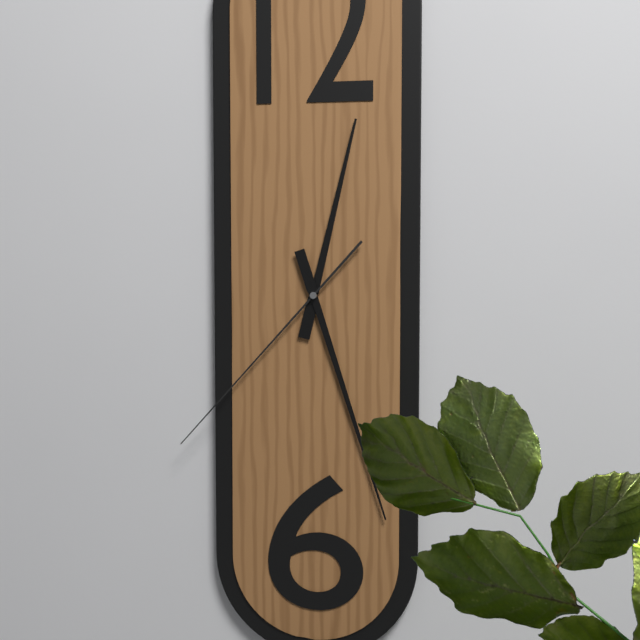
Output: 12.27.37
